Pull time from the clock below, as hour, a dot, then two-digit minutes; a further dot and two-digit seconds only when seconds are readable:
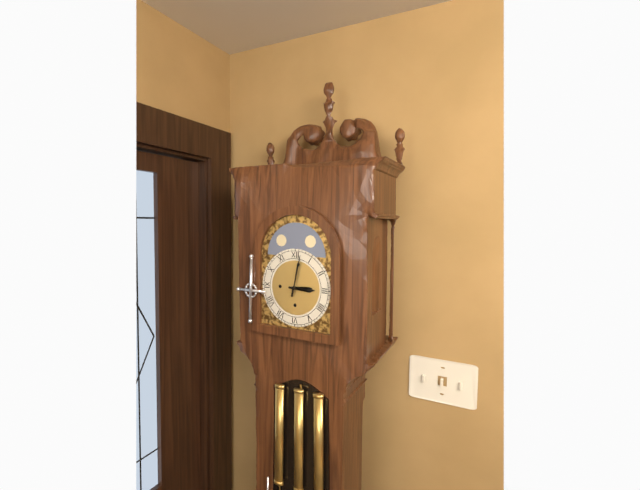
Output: 3.02
